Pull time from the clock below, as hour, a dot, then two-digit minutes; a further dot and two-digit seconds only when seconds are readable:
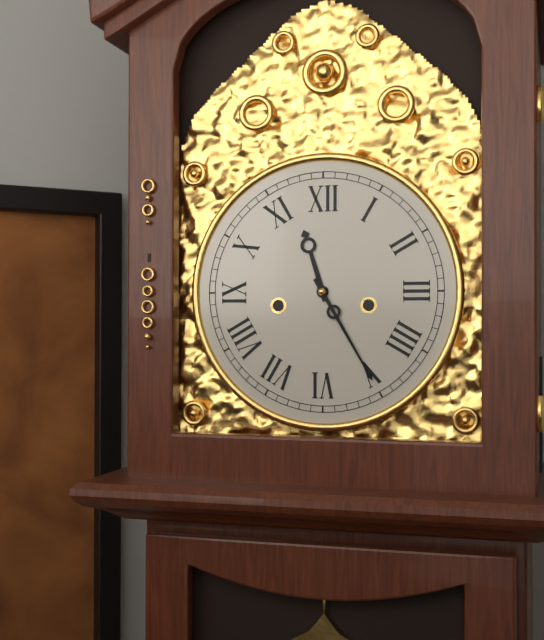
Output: 11.25
